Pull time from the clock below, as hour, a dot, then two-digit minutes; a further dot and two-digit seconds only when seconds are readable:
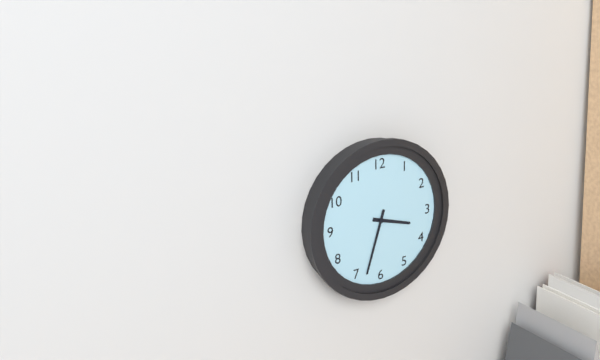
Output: 3.33
